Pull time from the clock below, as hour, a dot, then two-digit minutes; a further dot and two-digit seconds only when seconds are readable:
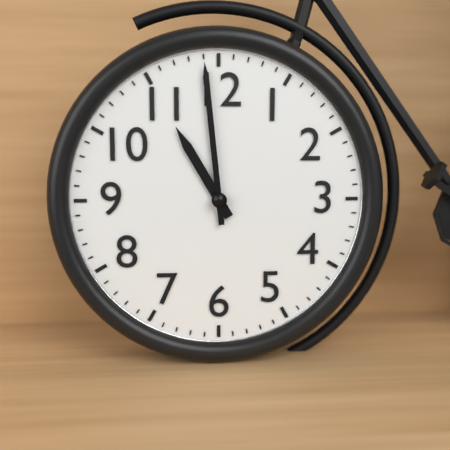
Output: 10.59
